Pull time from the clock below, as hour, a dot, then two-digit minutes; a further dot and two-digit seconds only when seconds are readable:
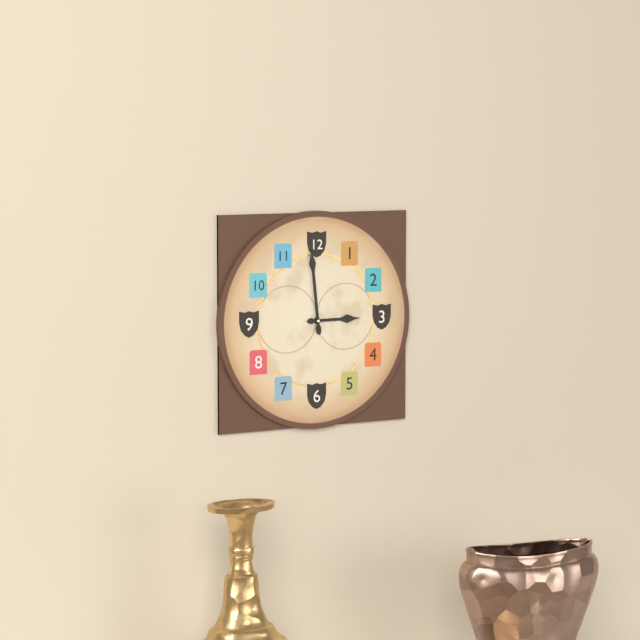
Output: 2.59
